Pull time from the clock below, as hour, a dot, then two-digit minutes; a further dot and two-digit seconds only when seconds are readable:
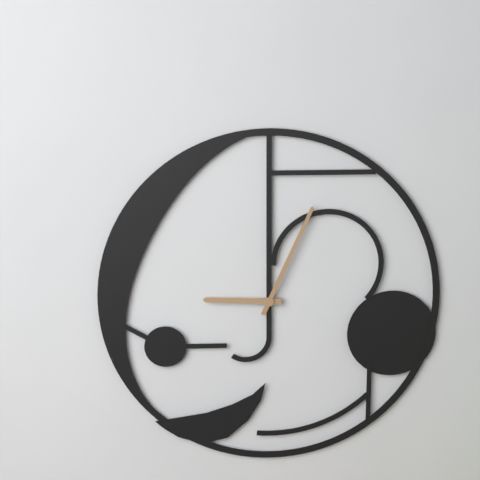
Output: 9.04
